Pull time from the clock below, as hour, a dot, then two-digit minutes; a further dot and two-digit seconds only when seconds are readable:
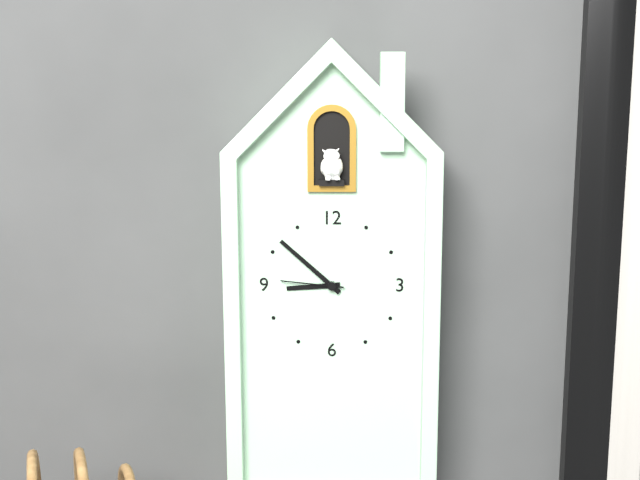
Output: 8.52.46
